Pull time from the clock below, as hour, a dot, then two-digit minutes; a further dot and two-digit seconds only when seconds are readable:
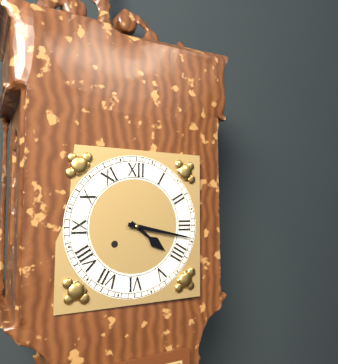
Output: 4.17
